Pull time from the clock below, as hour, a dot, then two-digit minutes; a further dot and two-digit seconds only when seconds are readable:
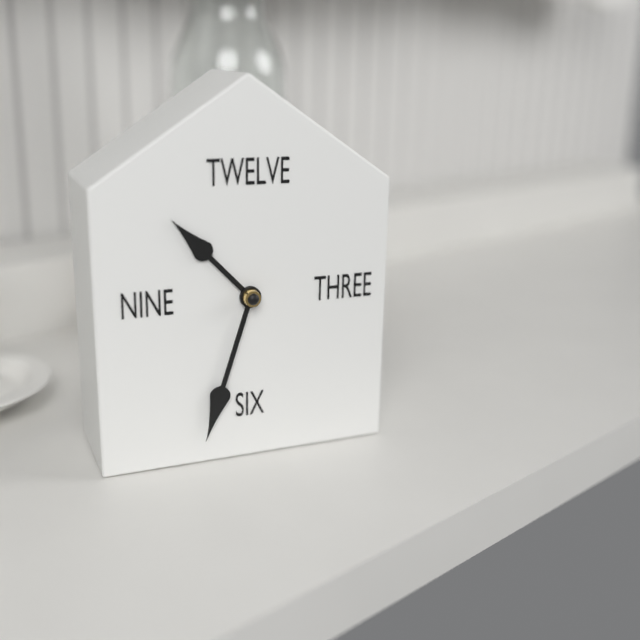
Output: 10.33
